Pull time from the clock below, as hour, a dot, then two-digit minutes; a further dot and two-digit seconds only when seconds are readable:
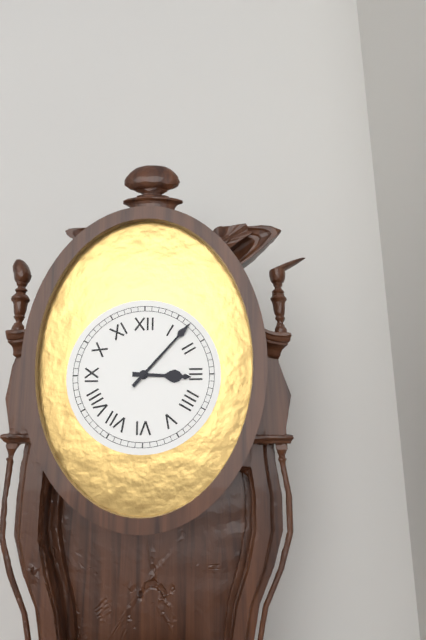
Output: 3.07
